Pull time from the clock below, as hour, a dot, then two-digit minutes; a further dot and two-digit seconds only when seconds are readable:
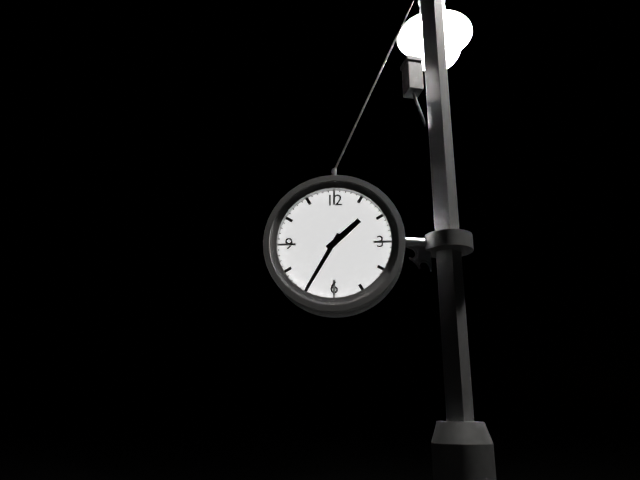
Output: 1.35
